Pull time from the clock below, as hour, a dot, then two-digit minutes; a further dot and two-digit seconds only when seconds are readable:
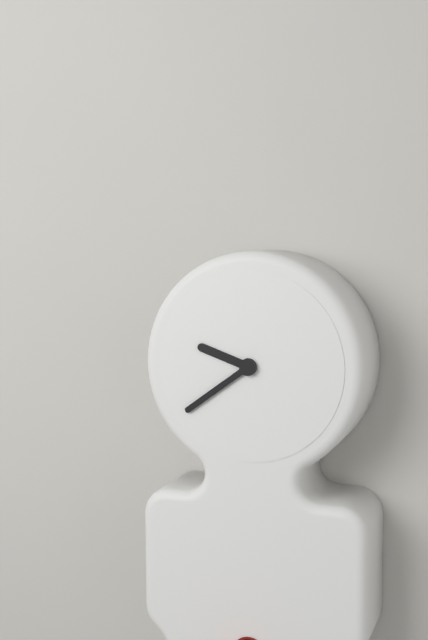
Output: 9.39
